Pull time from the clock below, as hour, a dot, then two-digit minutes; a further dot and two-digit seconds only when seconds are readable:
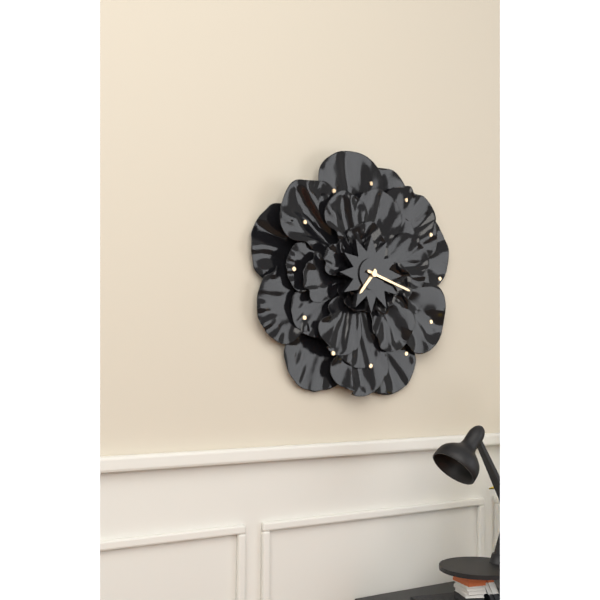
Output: 7.18
